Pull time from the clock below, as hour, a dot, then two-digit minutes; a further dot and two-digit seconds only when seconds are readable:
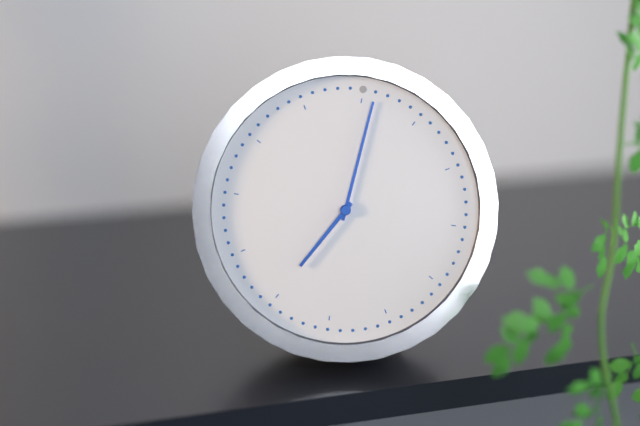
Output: 7.01
